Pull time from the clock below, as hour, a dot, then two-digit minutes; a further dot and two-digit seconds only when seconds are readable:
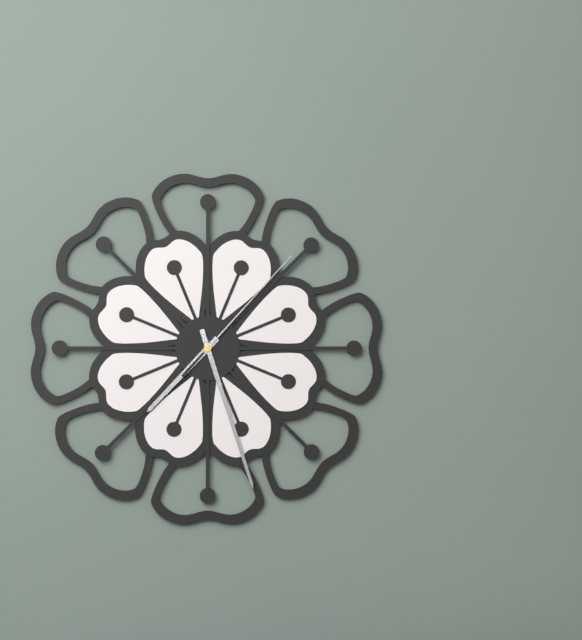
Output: 7.27.07
